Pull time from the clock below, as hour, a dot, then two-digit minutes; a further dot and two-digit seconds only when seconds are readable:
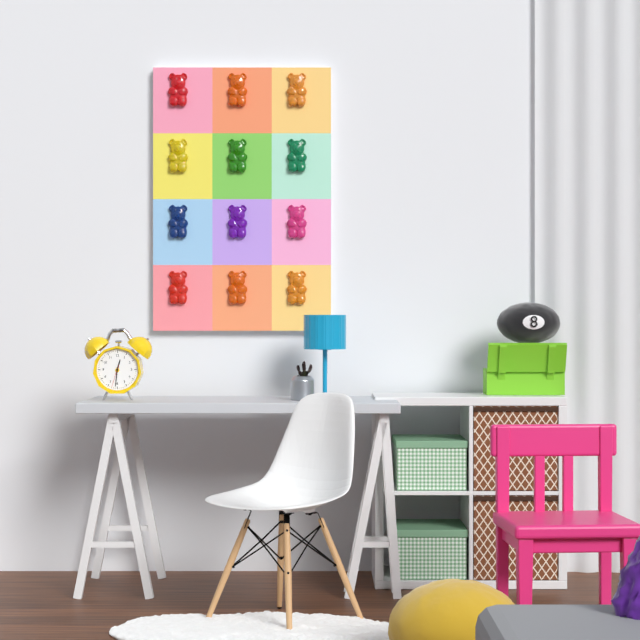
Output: 12.31
